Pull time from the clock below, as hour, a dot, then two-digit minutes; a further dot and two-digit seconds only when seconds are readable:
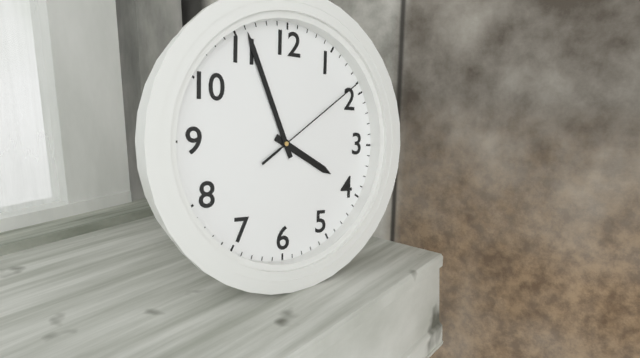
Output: 3.56.09
